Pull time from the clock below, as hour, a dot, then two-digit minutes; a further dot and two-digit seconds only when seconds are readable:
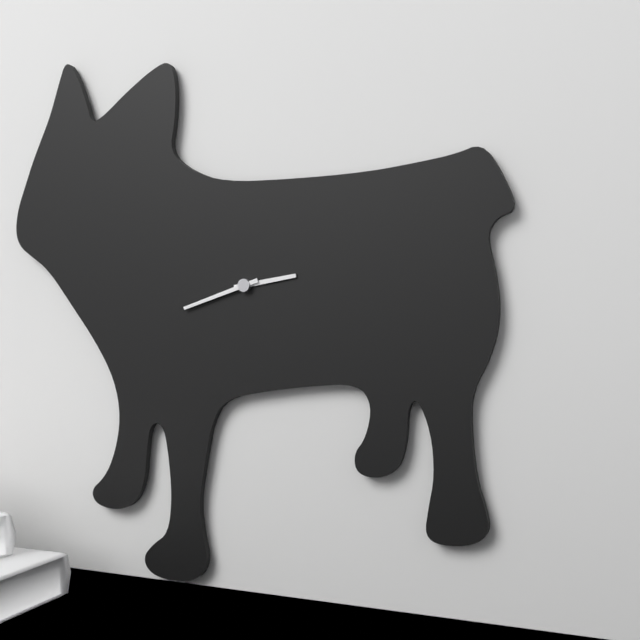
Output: 2.42
